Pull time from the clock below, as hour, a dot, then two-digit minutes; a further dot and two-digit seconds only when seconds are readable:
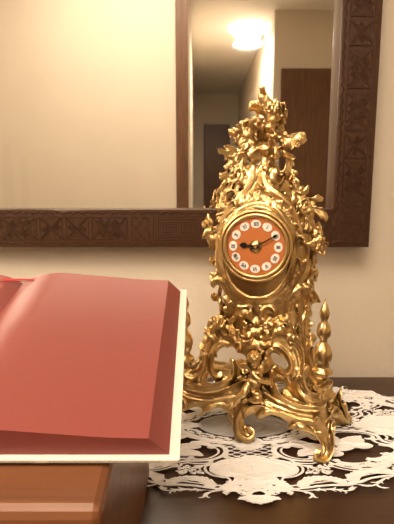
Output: 9.10
